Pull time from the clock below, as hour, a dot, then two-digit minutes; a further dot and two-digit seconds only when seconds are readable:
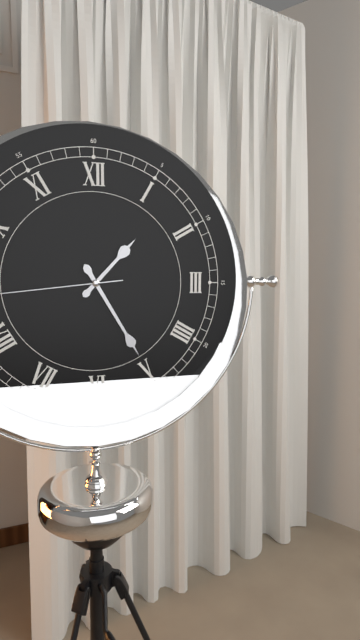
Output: 1.25
